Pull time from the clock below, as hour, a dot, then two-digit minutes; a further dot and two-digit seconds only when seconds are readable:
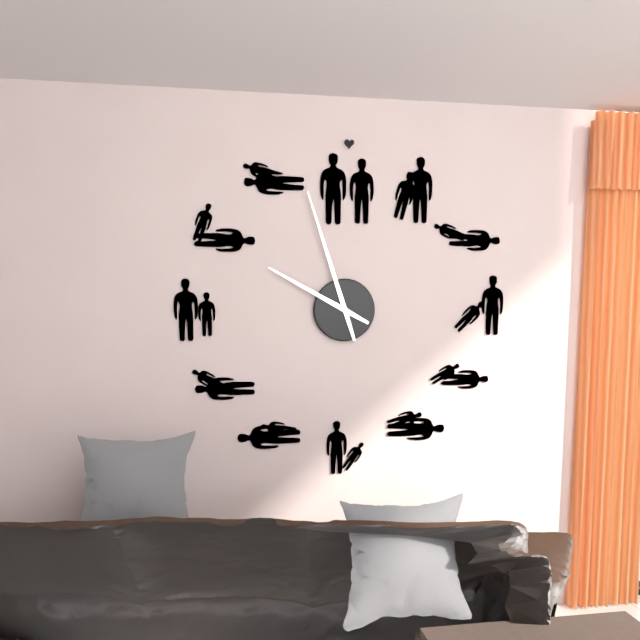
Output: 9.57
